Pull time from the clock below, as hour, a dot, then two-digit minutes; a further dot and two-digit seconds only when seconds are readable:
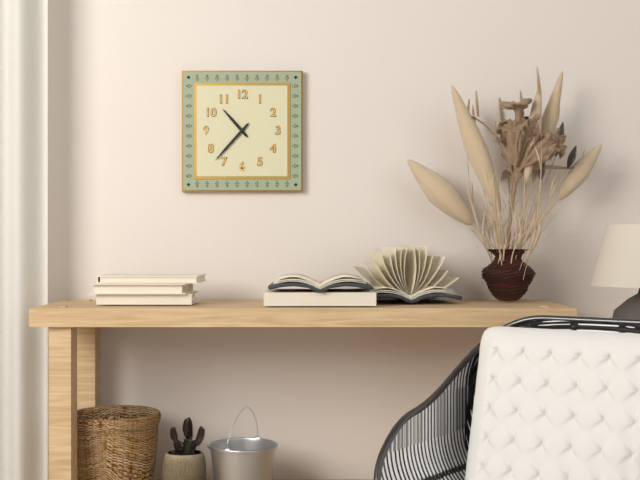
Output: 10.37
